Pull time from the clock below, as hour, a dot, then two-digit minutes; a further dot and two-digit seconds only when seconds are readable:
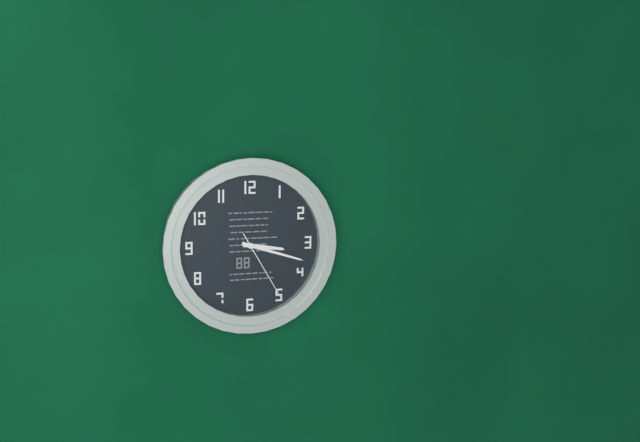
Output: 3.18.25
